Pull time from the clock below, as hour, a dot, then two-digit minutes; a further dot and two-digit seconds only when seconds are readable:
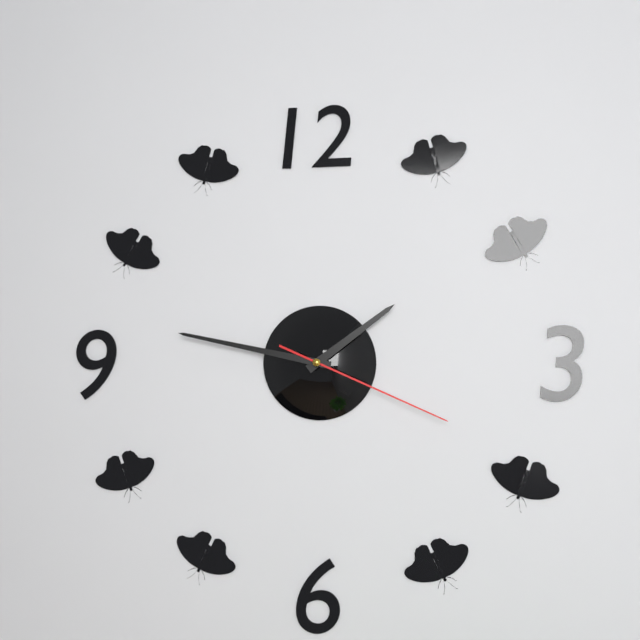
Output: 1.47.19
